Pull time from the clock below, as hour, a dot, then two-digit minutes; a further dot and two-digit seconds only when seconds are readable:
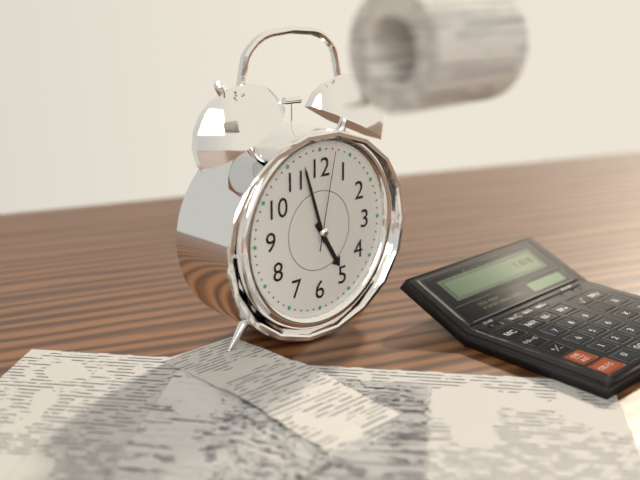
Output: 4.57.02
